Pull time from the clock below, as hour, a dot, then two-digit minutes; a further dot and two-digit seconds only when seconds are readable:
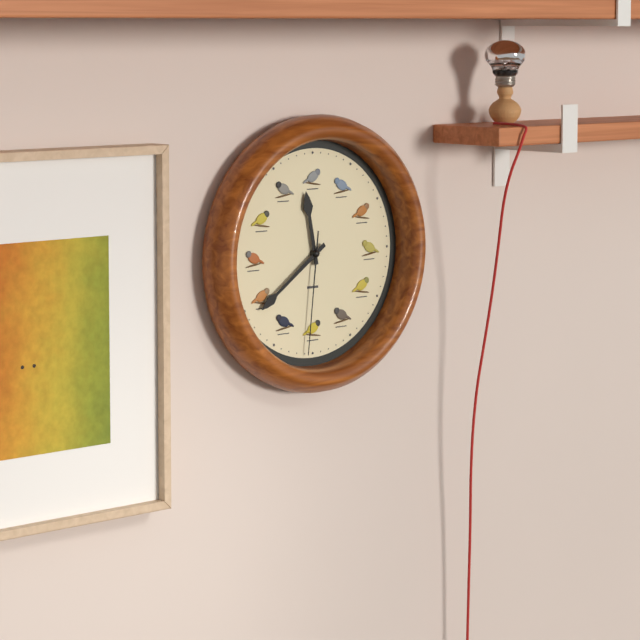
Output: 11.39.31
